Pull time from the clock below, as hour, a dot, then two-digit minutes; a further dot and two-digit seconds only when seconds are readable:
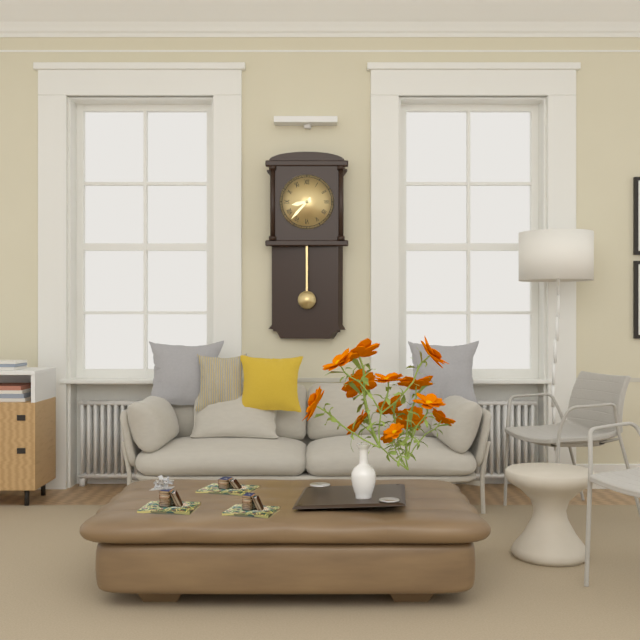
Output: 8.37
